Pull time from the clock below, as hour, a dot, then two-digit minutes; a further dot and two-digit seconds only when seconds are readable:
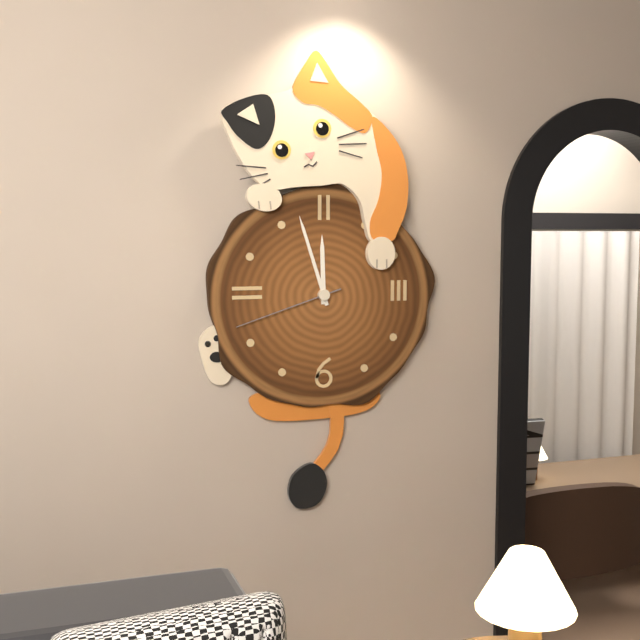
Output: 11.57.42
